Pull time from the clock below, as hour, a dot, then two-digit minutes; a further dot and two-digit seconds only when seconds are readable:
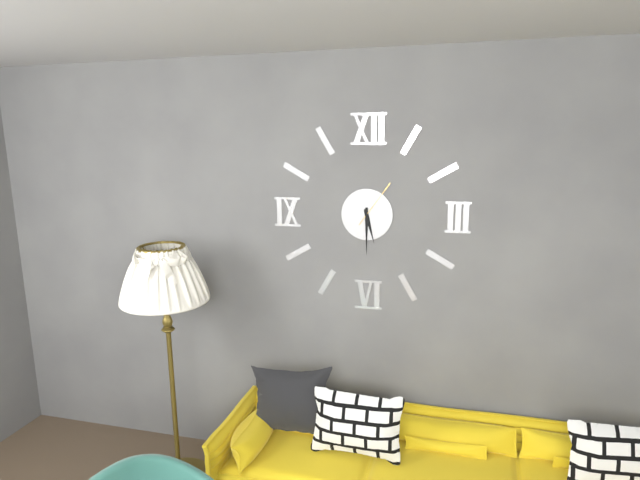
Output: 5.30
